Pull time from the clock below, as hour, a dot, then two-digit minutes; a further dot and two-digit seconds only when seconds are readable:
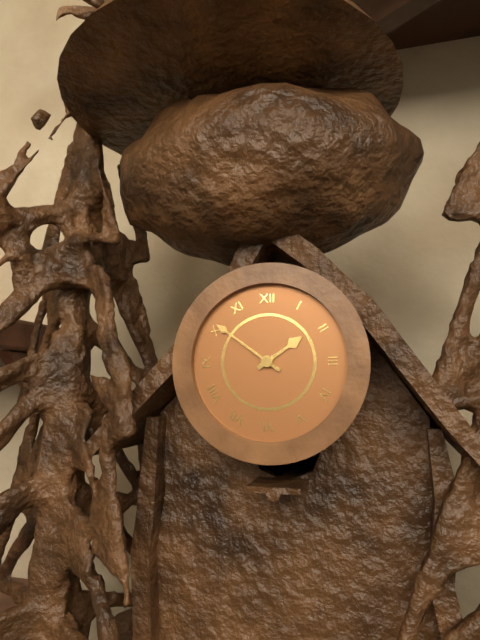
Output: 1.51
